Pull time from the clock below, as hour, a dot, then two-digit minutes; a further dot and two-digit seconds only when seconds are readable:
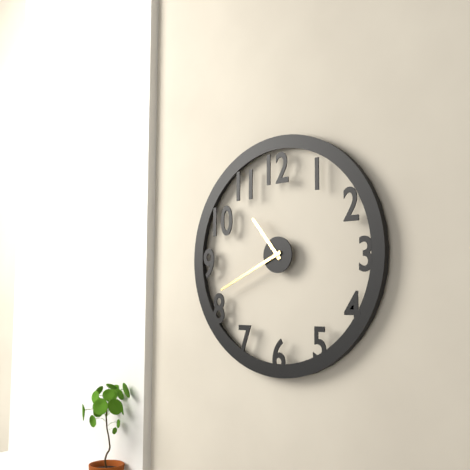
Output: 10.41
